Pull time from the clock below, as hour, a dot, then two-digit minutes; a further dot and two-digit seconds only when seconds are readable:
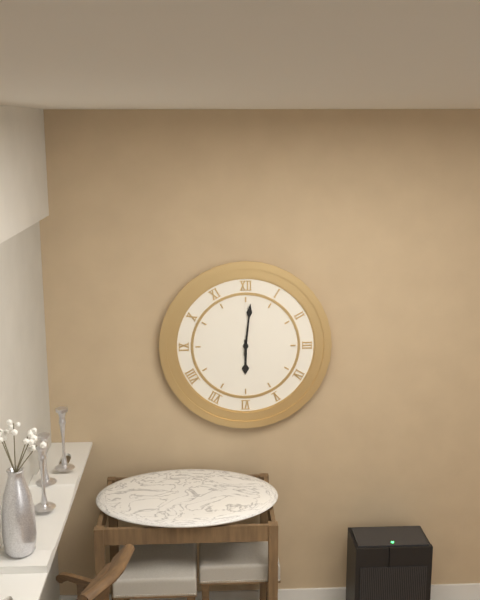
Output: 6.01
